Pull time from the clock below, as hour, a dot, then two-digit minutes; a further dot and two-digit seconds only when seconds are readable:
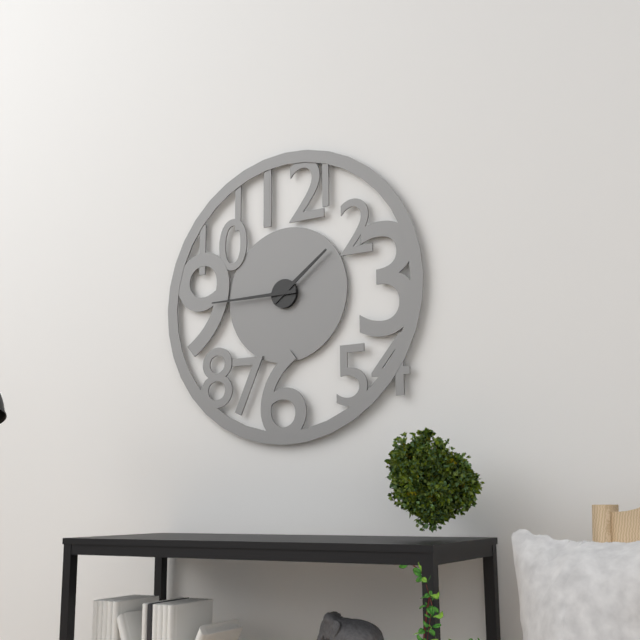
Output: 1.45
